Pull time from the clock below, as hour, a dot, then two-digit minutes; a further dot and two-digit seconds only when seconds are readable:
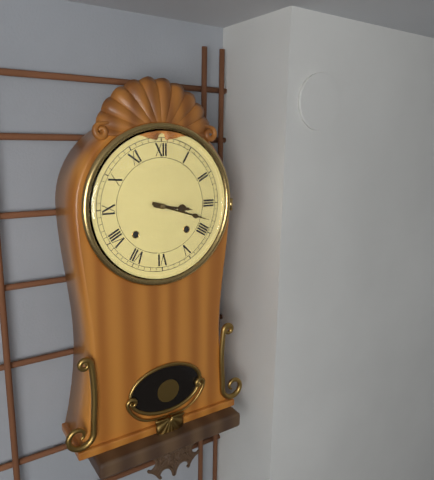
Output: 3.18
